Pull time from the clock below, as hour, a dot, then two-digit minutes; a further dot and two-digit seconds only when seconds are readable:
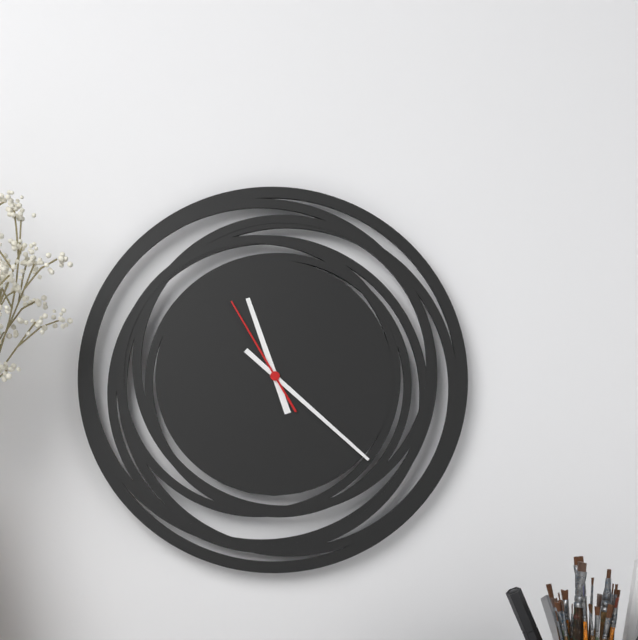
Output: 11.22.55
